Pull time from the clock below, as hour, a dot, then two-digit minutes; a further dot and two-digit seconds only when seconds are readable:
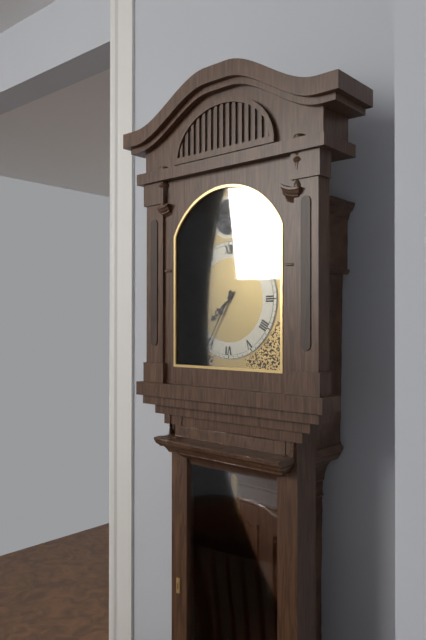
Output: 7.35
